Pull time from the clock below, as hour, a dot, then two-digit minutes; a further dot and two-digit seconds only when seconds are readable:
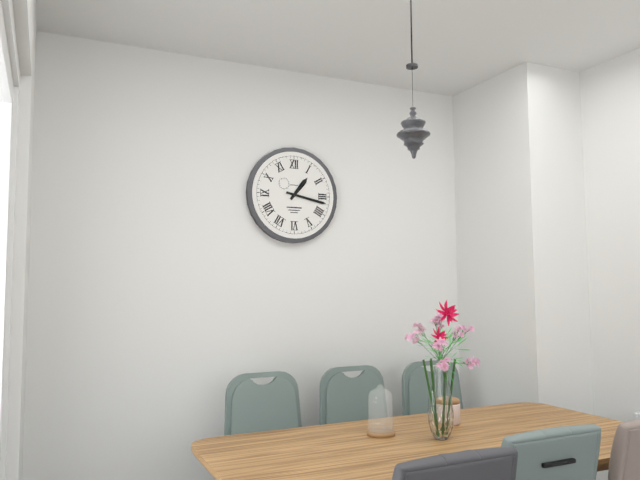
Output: 1.17
